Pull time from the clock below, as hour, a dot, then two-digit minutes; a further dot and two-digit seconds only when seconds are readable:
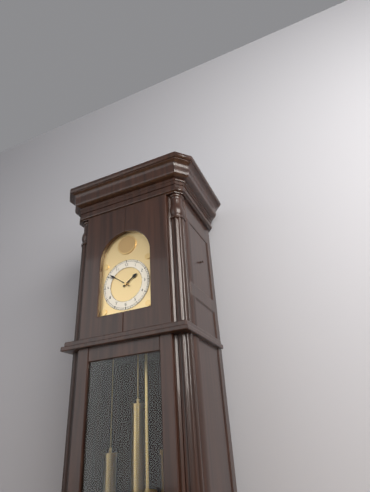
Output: 1.51
